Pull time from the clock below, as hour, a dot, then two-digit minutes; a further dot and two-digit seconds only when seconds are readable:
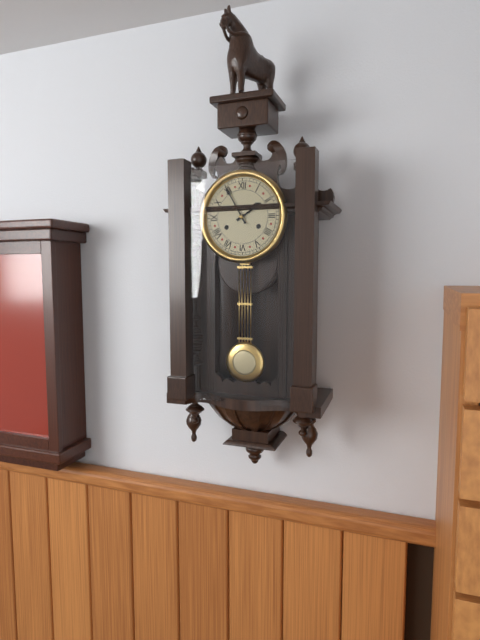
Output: 1.55
